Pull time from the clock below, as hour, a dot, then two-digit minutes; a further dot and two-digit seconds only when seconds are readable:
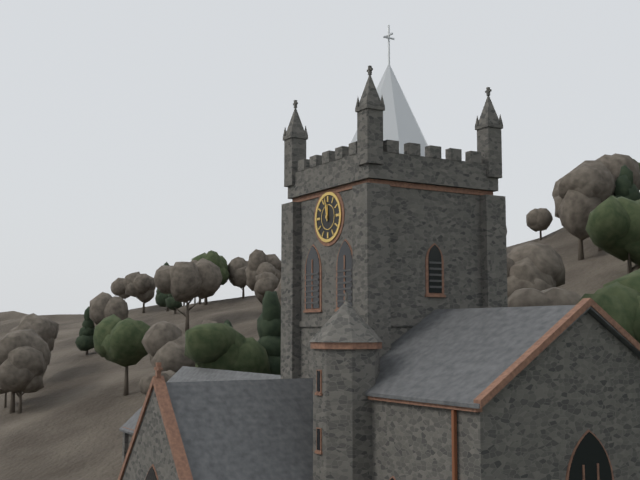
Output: 11.58
